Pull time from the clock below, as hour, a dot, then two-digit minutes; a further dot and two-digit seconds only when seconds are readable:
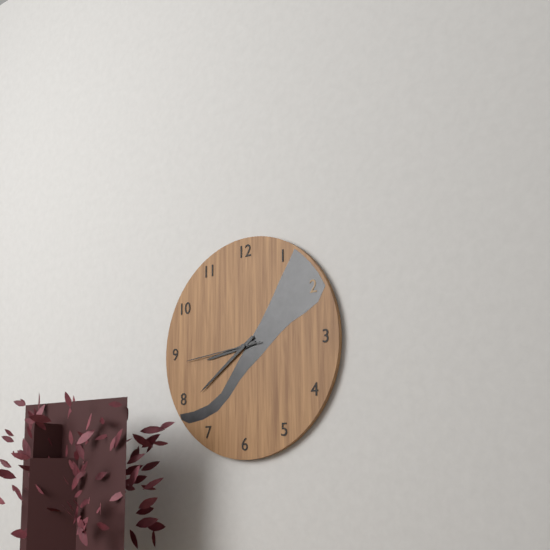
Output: 8.39.44
